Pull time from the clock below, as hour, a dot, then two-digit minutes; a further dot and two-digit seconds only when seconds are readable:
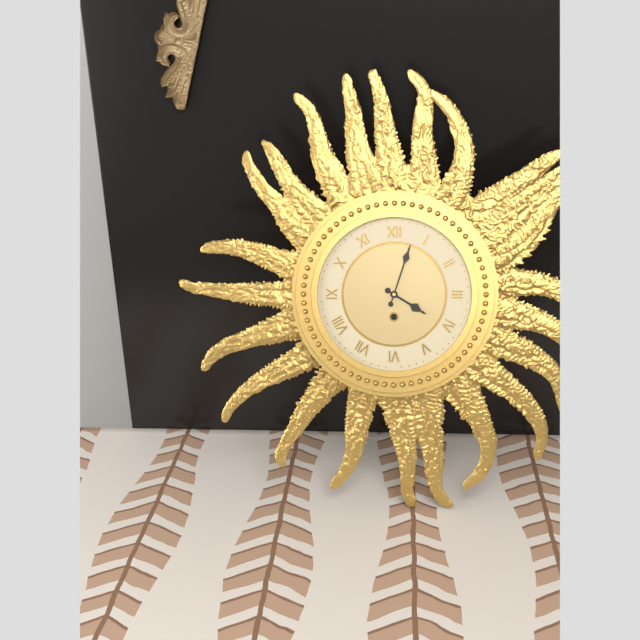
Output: 4.03
